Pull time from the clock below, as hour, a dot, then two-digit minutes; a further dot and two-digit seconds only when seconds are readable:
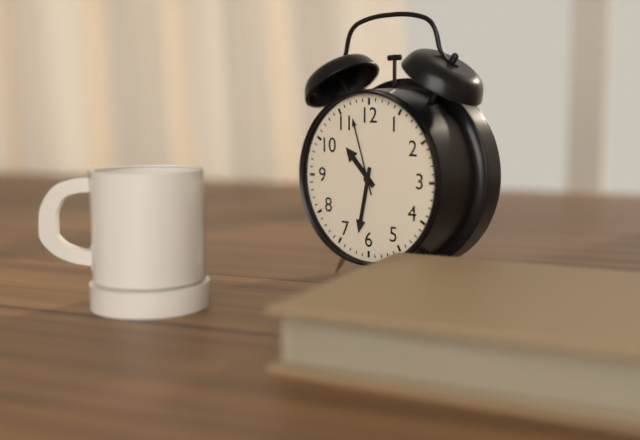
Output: 10.32.57
